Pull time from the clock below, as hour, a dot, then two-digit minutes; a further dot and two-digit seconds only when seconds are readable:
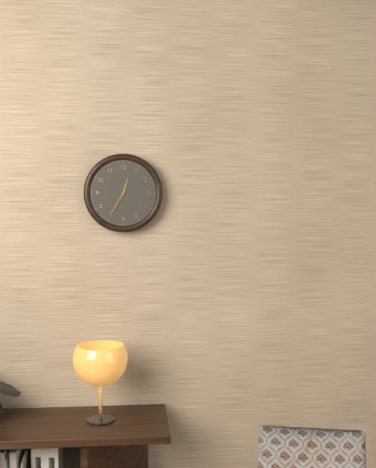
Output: 12.35
